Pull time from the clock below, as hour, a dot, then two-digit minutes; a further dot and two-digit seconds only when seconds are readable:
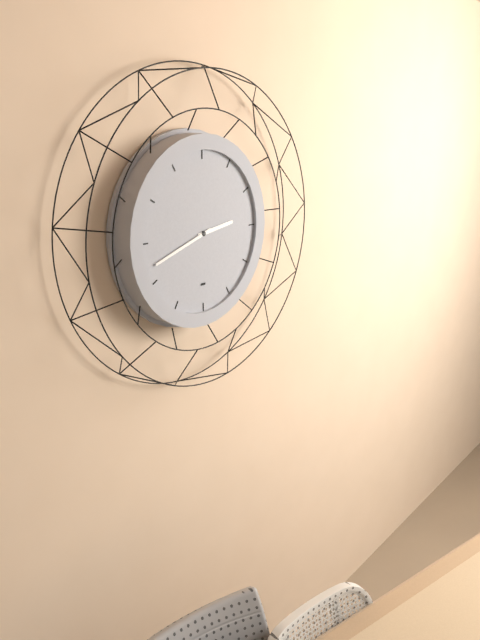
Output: 2.42
